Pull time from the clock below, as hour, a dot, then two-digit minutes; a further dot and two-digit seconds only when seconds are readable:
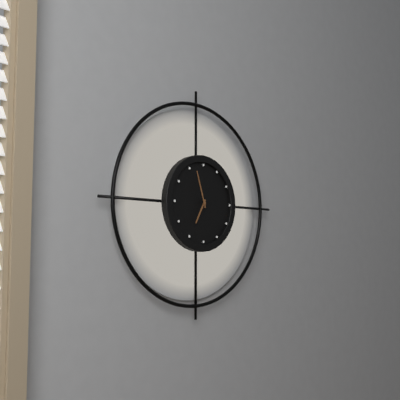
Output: 6.57
